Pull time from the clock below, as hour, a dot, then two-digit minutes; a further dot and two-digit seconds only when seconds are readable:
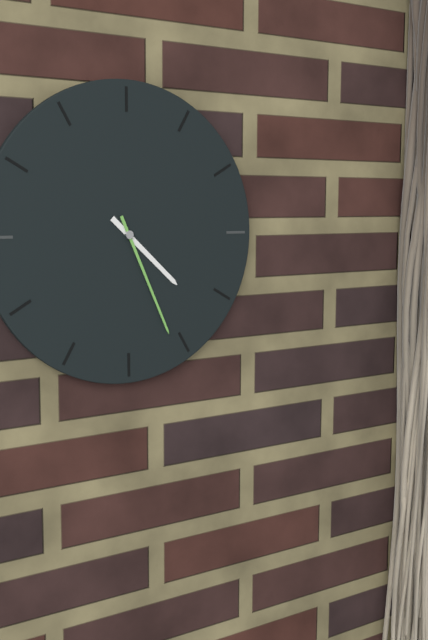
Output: 4.26
